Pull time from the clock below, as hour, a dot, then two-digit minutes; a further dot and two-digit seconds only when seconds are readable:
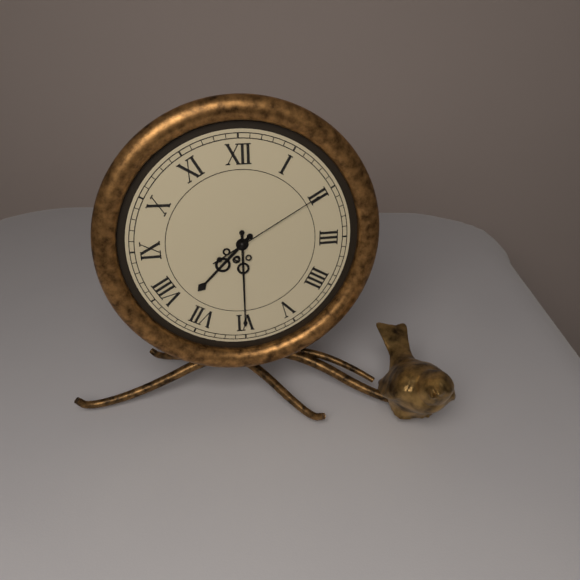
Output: 7.30.10
